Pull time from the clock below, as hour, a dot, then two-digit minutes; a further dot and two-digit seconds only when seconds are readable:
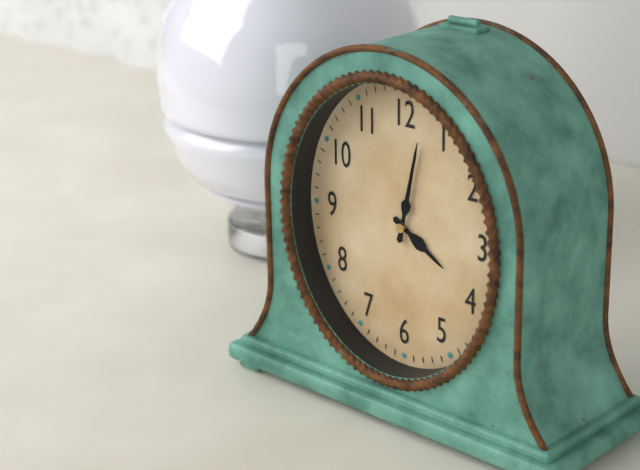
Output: 4.02
